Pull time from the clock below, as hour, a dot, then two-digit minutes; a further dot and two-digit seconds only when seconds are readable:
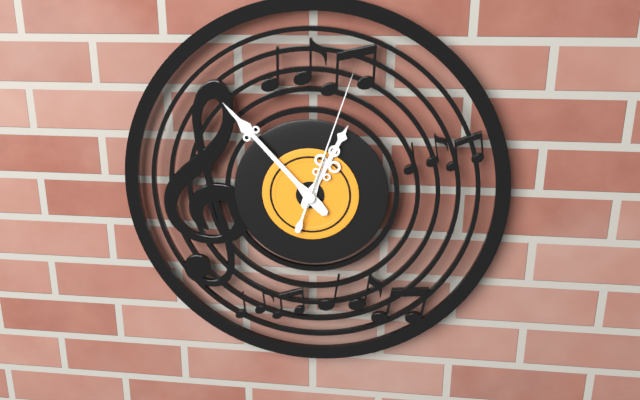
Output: 12.53.03
